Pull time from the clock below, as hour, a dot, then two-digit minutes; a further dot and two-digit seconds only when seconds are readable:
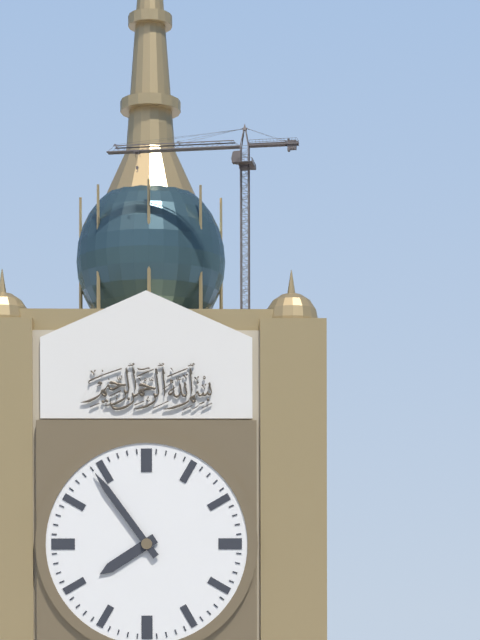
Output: 7.54
